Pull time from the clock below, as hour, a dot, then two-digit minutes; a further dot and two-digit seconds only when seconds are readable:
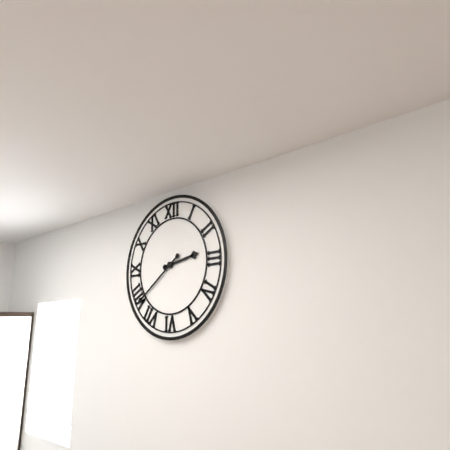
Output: 2.39
